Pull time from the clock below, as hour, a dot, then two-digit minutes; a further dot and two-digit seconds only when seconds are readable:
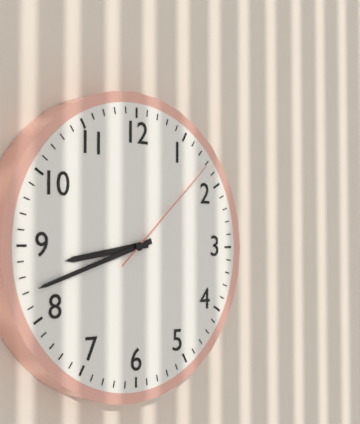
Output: 8.42.08
